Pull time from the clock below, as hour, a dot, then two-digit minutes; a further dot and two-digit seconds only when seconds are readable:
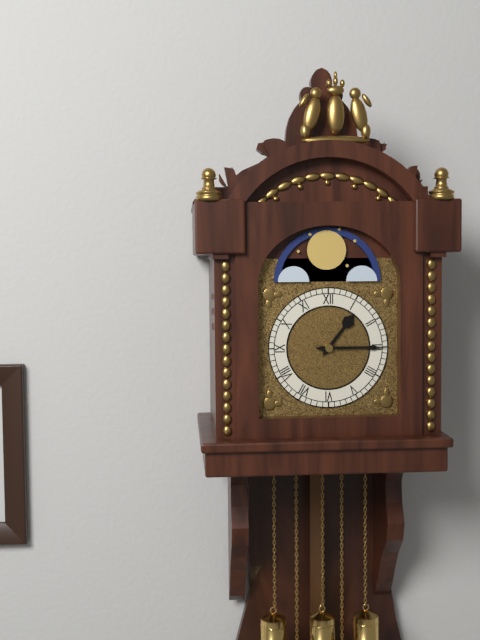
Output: 1.15
